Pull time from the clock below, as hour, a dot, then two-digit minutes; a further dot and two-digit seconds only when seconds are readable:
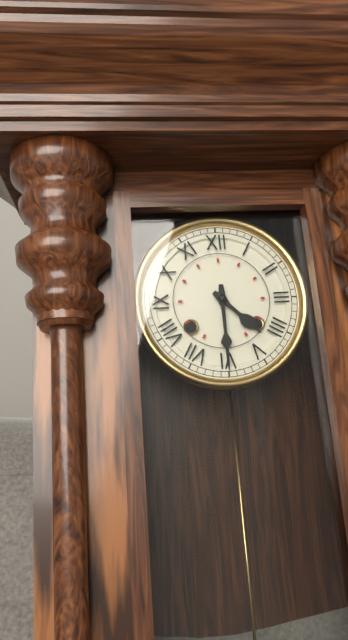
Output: 4.30
